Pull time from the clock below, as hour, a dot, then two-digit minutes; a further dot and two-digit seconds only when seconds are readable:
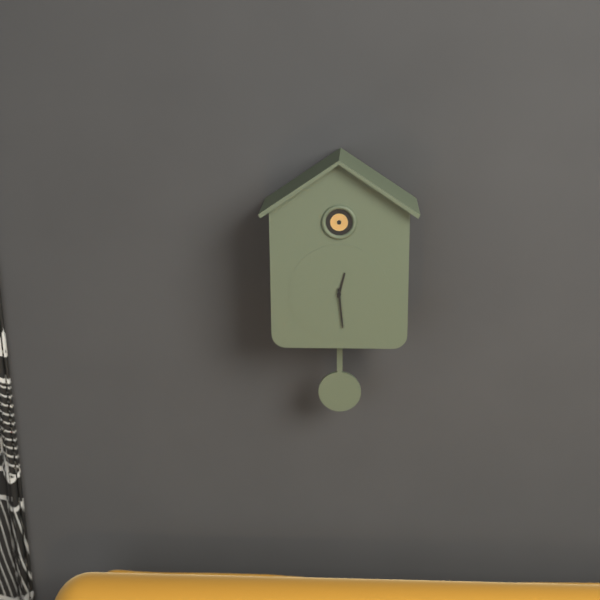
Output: 12.29
